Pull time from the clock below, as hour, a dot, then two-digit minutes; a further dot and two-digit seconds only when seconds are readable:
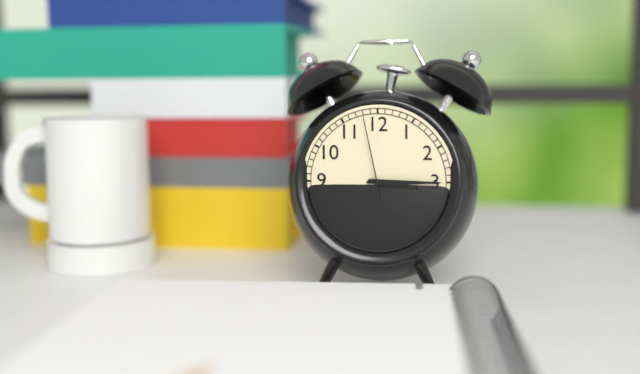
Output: 3.15.58
